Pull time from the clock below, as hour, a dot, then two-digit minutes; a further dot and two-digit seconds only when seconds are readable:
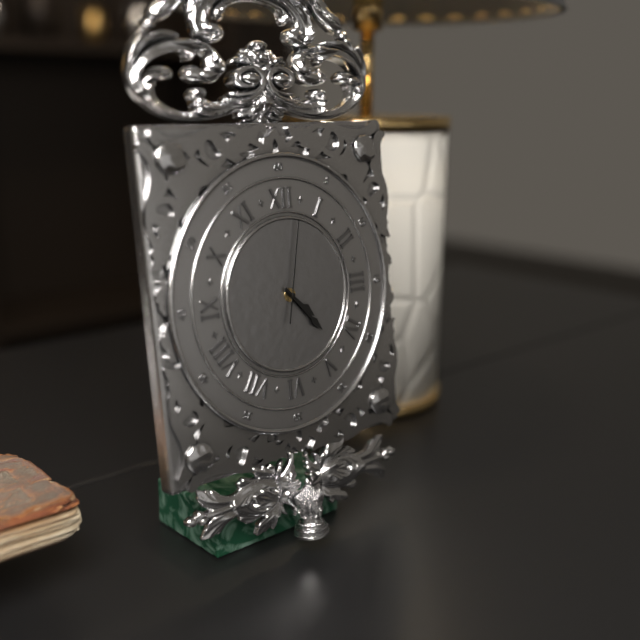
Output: 4.23.02
